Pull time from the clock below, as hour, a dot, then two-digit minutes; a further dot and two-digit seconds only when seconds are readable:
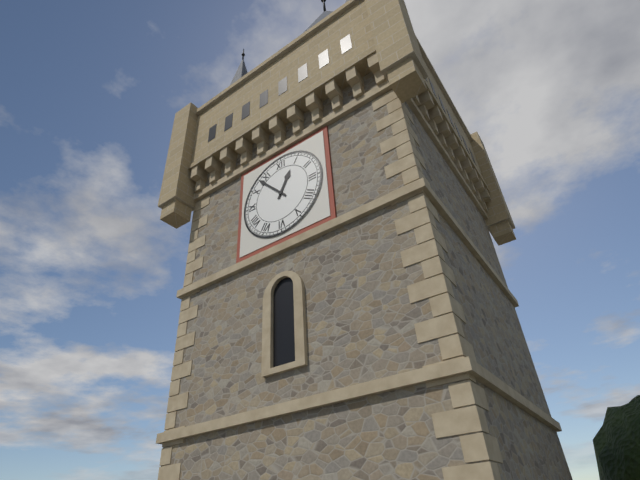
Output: 12.53
